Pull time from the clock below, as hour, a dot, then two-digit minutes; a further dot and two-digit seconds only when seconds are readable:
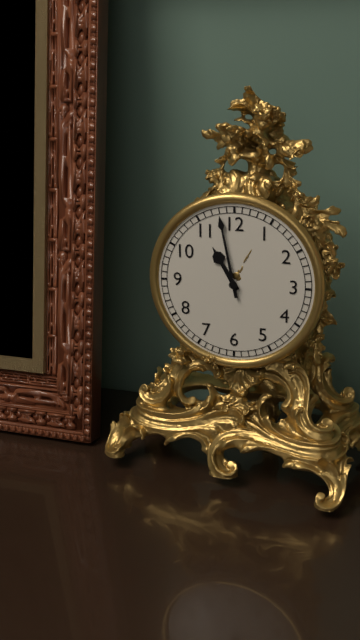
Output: 10.58
